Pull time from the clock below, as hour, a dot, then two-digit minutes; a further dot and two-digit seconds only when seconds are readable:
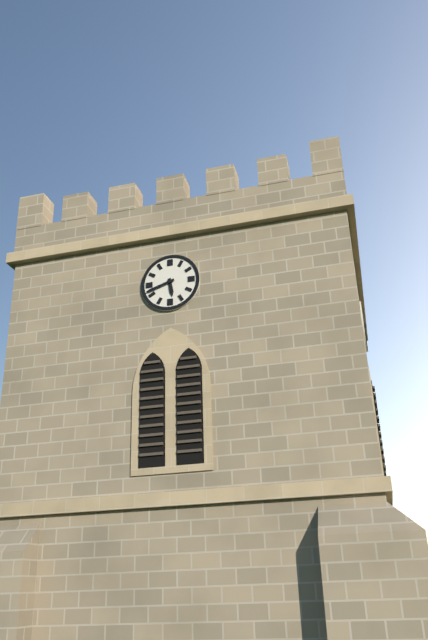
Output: 5.42
